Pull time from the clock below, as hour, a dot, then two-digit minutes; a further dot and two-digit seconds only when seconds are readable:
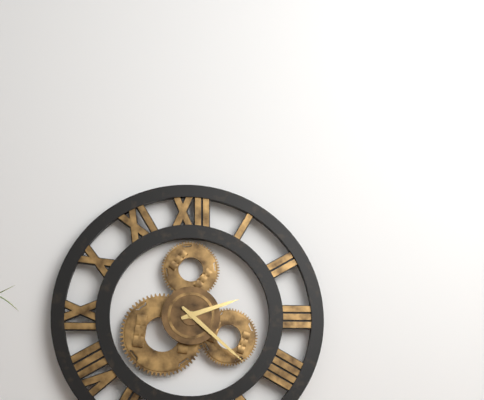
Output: 2.22
